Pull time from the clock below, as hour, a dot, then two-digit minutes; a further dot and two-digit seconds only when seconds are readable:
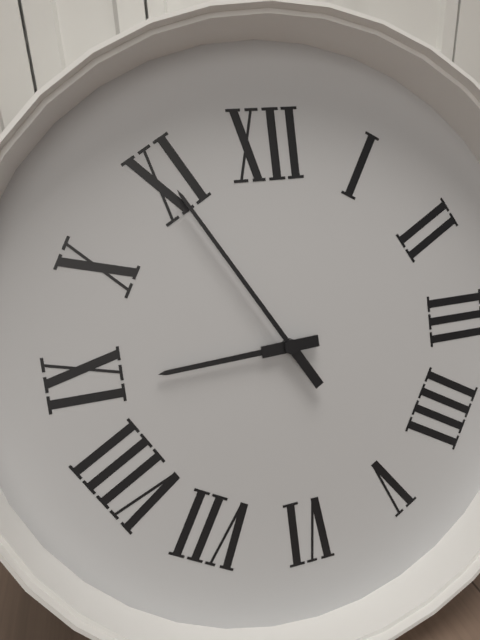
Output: 8.55
